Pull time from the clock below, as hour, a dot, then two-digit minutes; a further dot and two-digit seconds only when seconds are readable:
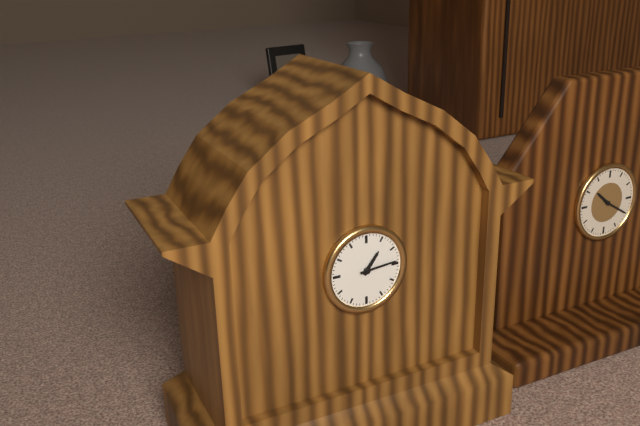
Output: 1.14
